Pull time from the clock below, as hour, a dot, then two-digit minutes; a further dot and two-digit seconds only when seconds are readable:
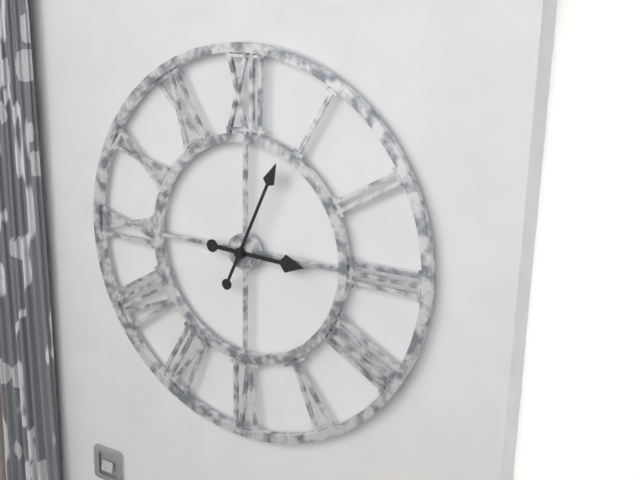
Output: 3.04
